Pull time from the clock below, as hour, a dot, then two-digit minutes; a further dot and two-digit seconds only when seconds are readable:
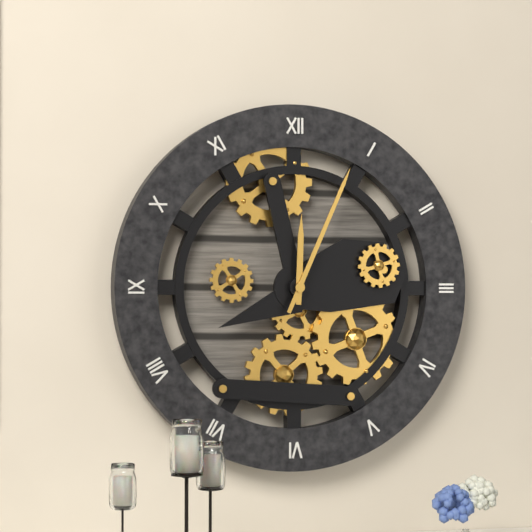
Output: 12.04
